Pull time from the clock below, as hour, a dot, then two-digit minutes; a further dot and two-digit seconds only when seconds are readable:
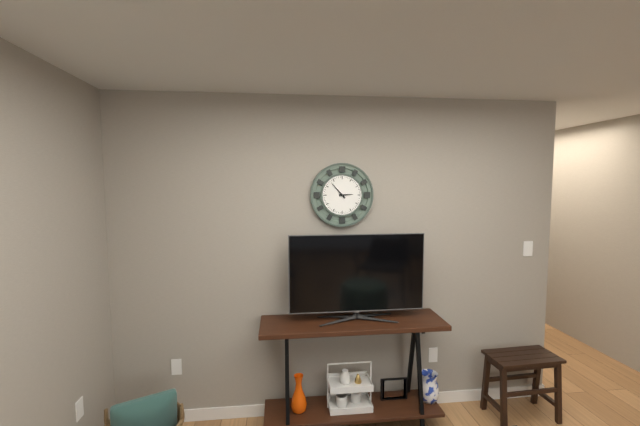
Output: 2.53
